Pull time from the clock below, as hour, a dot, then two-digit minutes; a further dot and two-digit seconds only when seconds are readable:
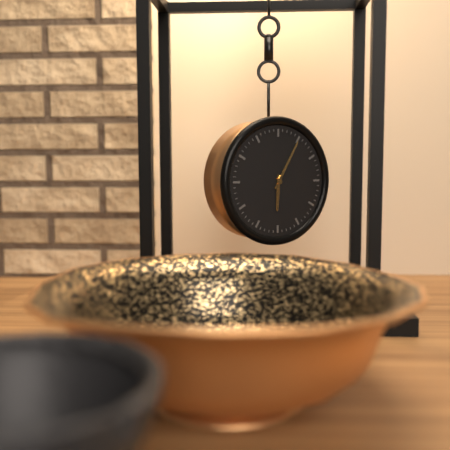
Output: 6.05
